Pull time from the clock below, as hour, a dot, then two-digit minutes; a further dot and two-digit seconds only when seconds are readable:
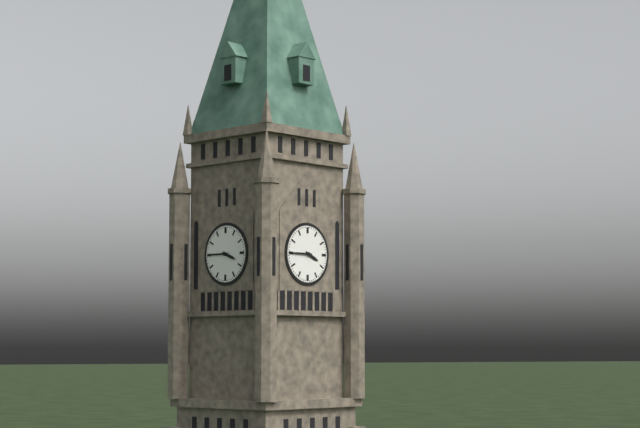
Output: 3.45
